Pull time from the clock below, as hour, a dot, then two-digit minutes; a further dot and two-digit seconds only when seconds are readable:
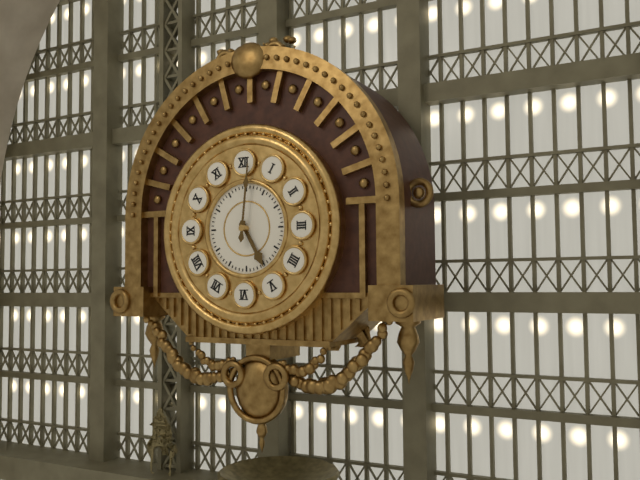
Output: 5.01
